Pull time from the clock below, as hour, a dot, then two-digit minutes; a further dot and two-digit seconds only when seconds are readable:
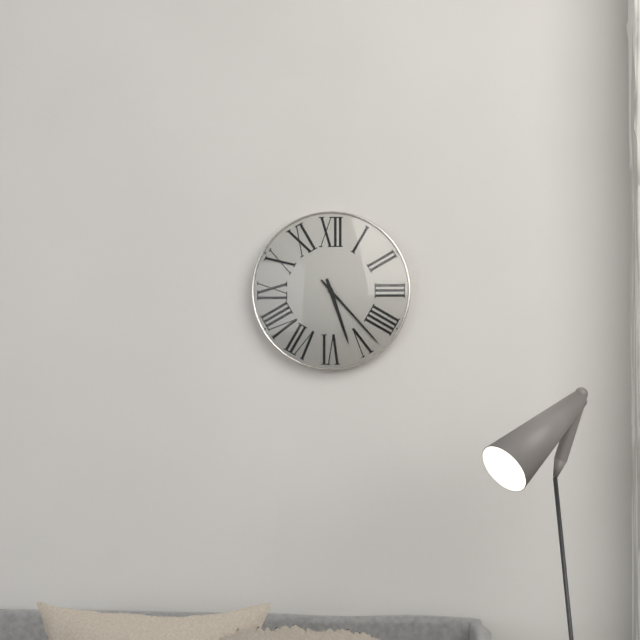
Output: 5.23
